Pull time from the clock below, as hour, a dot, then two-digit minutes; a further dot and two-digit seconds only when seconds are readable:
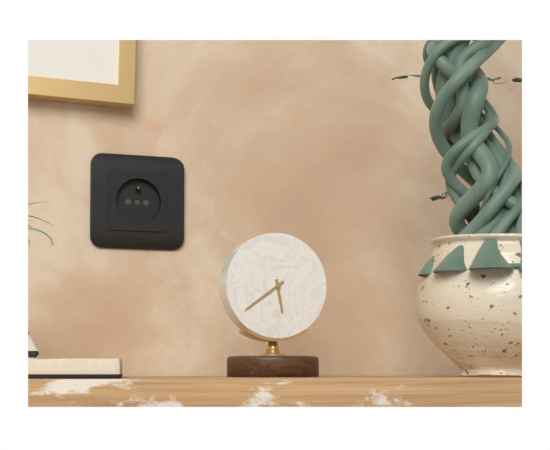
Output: 5.39
